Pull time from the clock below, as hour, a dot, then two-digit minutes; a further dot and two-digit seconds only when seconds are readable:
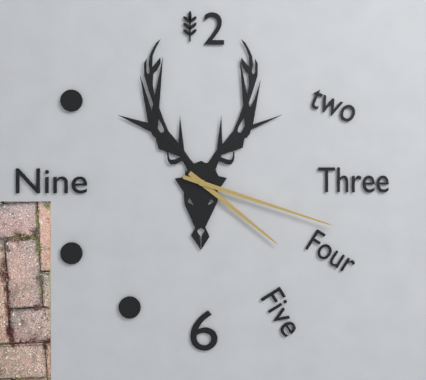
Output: 4.18
